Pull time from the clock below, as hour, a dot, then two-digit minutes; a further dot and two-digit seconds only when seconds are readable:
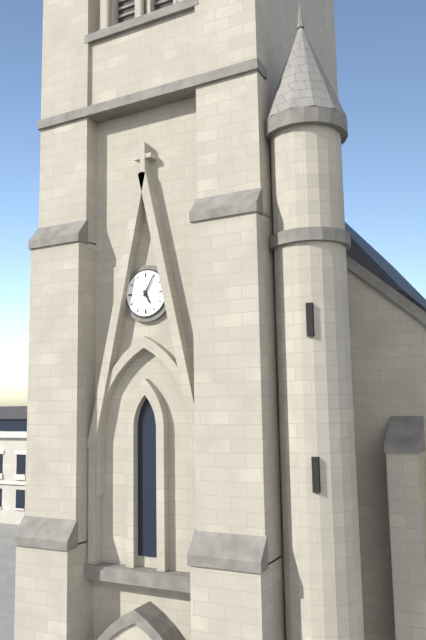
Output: 5.05
